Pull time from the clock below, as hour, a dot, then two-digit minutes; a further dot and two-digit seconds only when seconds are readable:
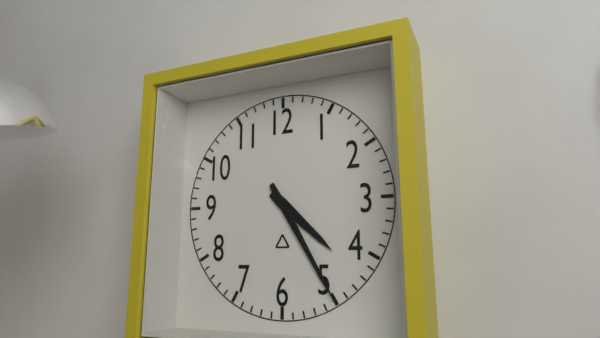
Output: 4.25
